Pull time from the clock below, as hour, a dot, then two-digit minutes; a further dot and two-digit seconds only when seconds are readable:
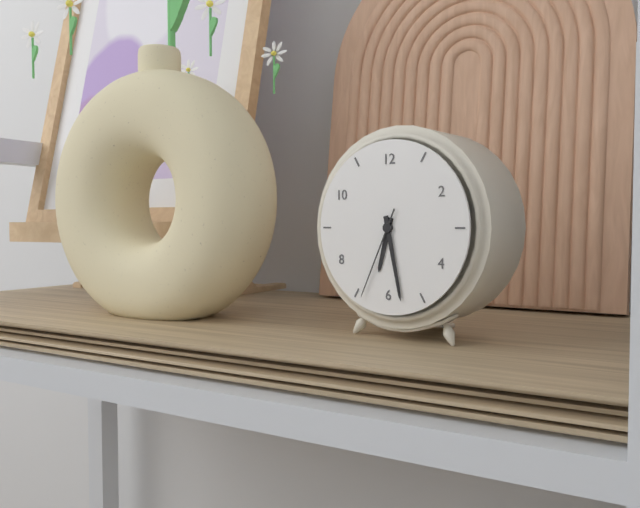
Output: 6.28.34
